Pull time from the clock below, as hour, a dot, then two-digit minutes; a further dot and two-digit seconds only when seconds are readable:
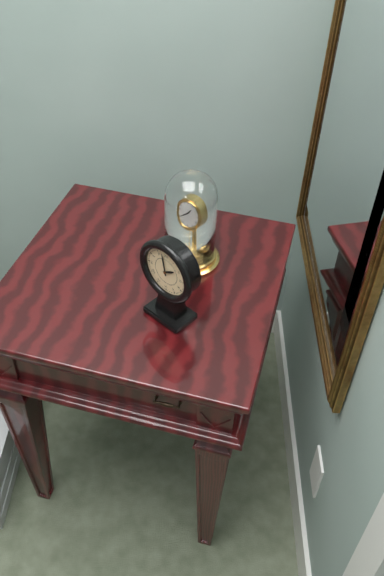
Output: 1.58
